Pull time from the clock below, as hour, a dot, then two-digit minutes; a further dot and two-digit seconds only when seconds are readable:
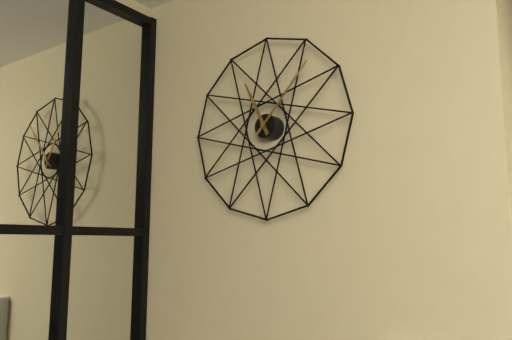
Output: 11.07
